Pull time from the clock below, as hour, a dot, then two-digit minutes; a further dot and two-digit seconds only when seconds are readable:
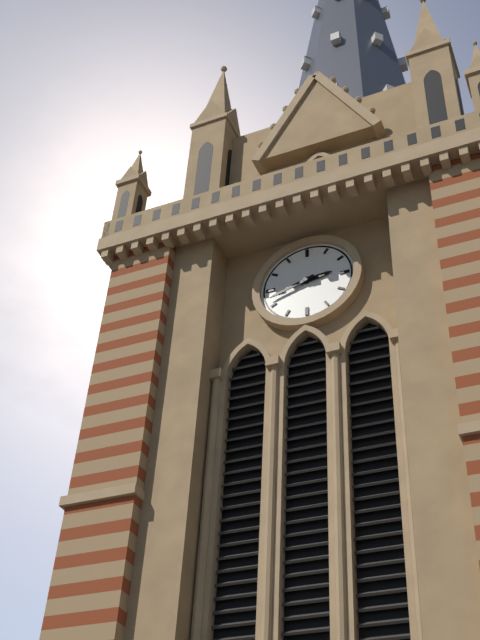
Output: 2.42
